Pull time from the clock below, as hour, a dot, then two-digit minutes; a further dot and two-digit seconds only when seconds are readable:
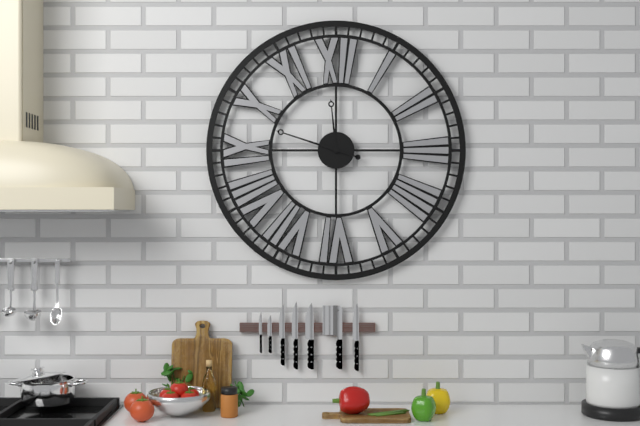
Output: 11.48
